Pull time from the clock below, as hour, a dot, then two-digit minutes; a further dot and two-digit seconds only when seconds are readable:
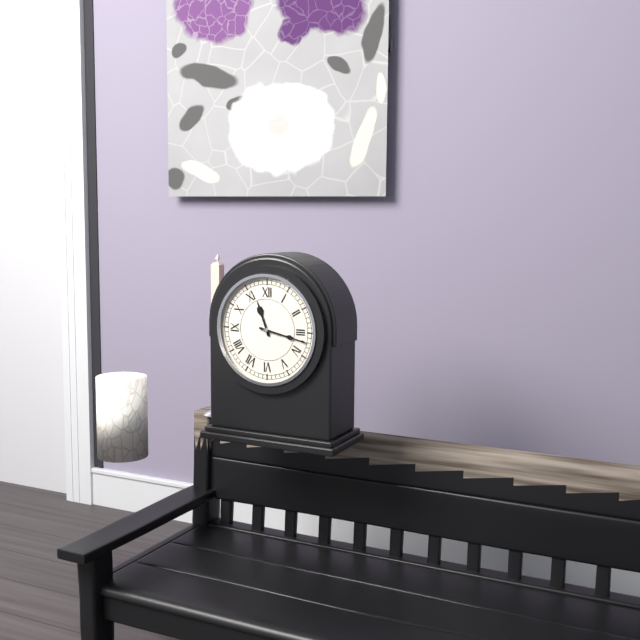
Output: 11.17
